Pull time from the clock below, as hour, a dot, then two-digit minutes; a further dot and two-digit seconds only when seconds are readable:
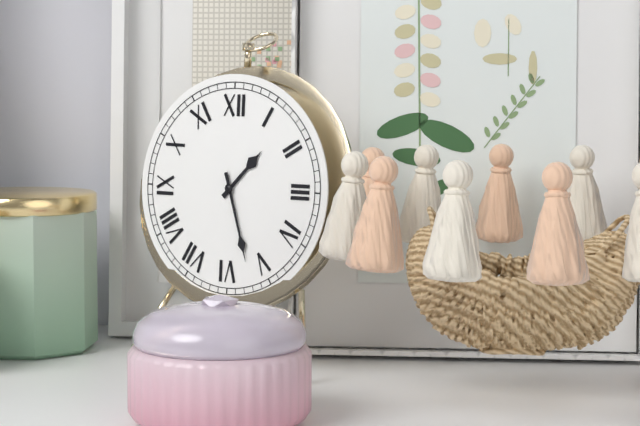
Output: 1.27
